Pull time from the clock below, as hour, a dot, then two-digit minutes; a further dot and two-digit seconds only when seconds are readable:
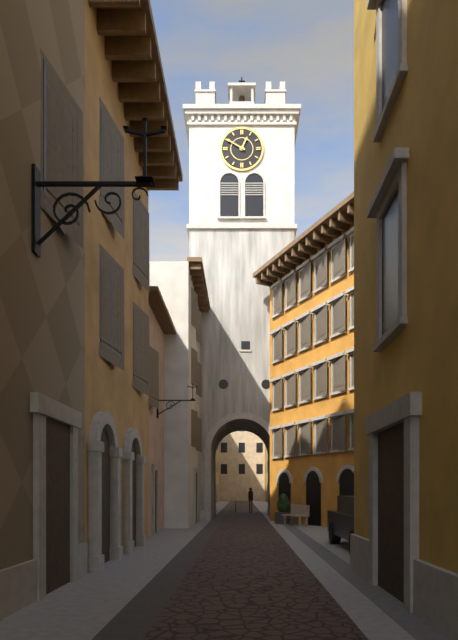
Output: 12.50
